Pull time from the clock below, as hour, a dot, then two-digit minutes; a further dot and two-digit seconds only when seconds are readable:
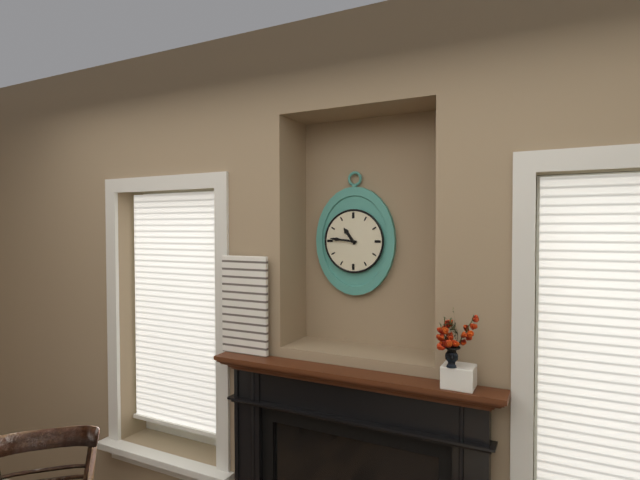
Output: 10.46
